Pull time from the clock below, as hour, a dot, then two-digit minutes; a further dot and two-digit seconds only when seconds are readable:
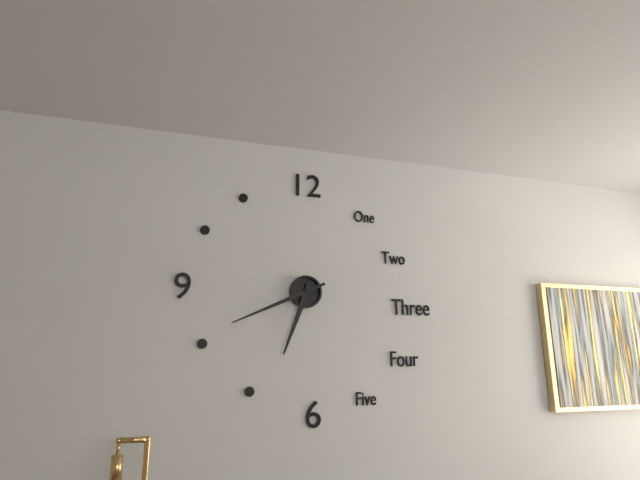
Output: 6.41
